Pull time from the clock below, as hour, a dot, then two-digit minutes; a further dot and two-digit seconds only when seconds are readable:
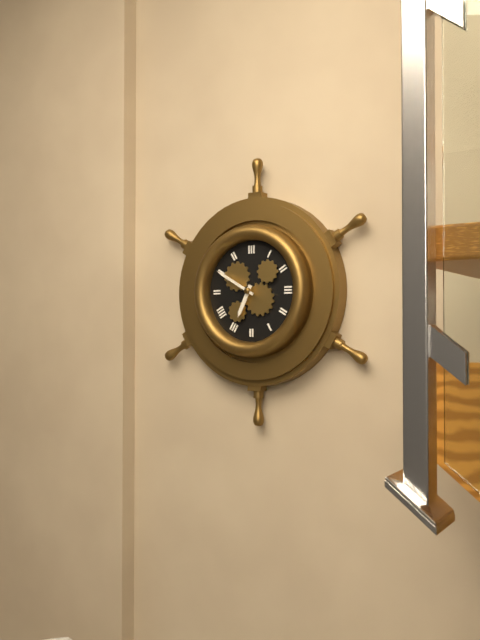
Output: 6.50
